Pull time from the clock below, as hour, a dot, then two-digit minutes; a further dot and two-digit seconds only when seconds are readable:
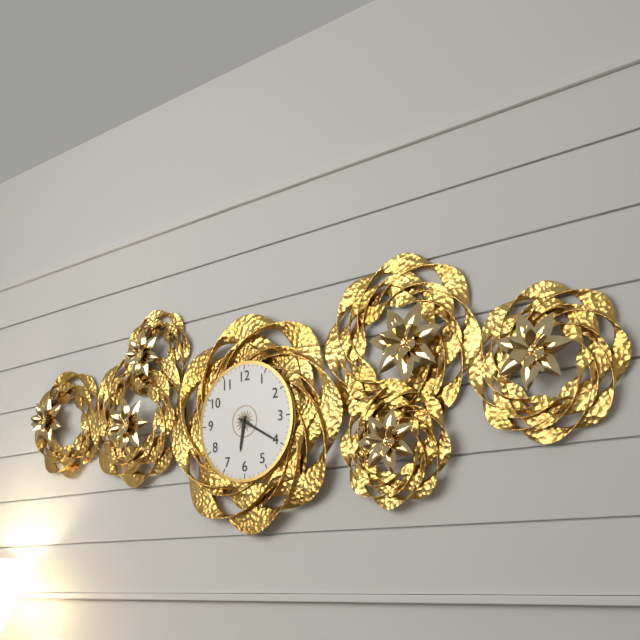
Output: 6.20
